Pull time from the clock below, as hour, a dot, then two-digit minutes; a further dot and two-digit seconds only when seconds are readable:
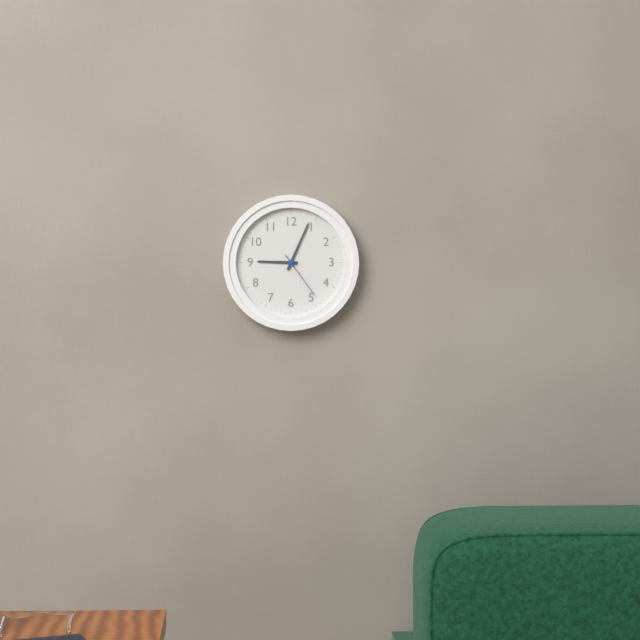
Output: 9.04.24
